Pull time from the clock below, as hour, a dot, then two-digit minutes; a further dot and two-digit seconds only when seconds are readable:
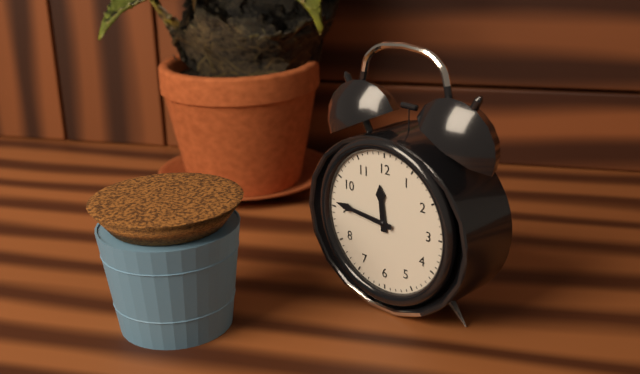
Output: 11.46
